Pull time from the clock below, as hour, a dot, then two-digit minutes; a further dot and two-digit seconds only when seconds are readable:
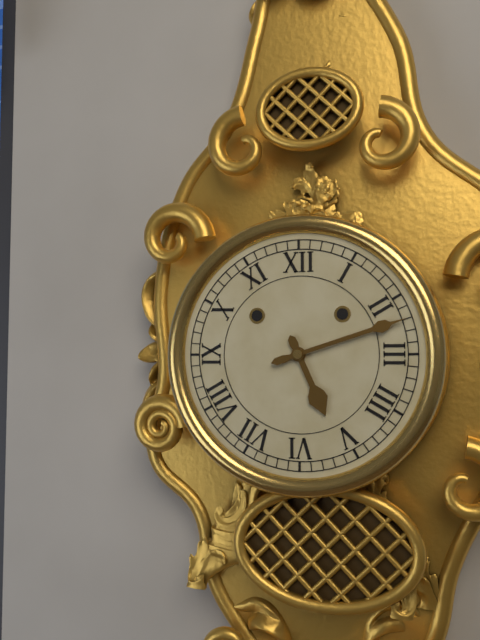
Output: 5.12
